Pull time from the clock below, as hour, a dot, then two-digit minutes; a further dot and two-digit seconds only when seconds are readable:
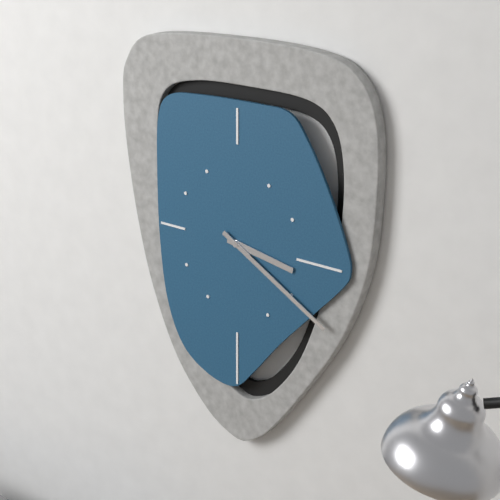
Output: 3.20
